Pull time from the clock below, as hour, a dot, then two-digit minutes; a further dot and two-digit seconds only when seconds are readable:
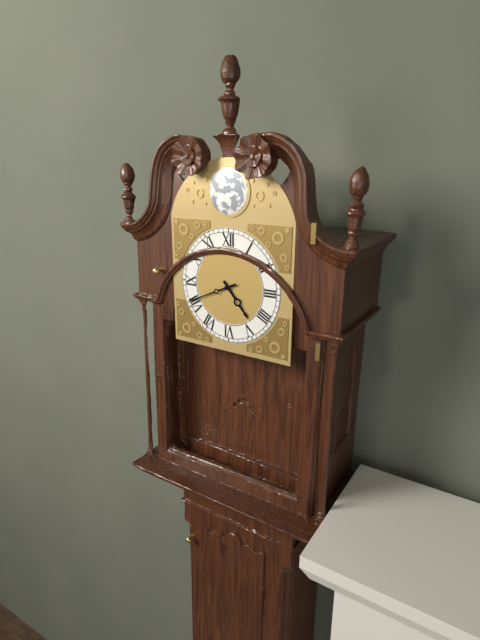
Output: 4.41
